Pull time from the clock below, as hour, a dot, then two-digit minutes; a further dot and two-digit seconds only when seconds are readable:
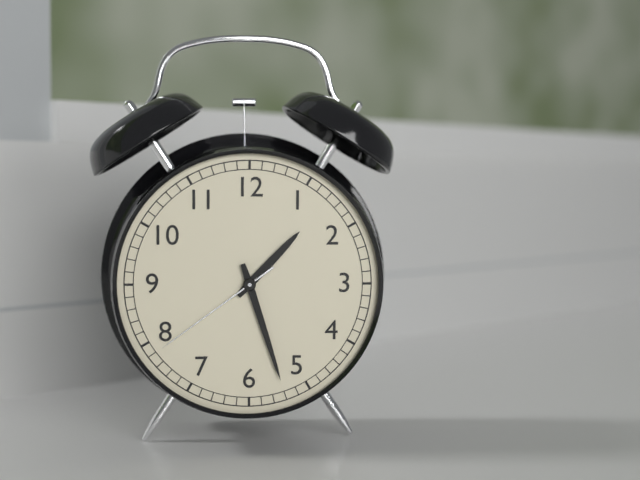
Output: 1.27.39
